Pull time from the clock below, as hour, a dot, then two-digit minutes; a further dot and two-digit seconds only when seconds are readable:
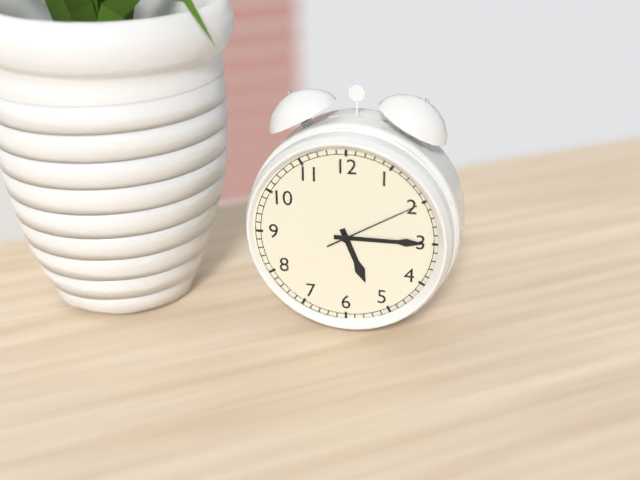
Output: 5.15.10
